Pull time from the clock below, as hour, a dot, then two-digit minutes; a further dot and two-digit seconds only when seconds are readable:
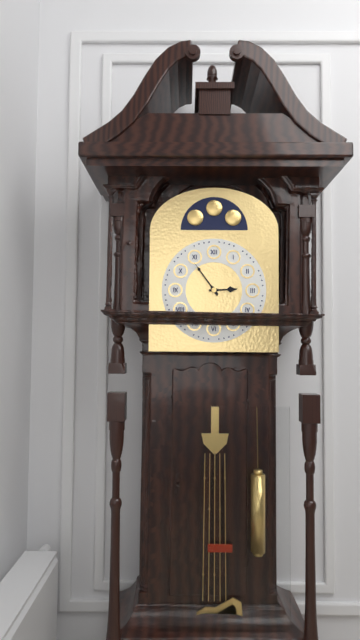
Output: 2.54
